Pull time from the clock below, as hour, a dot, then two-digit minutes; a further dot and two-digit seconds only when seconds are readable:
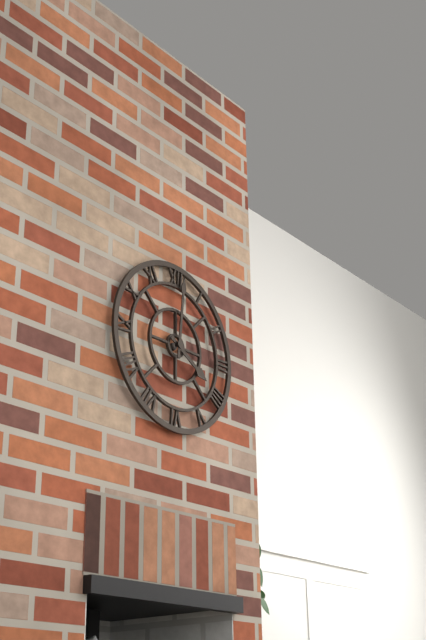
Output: 4.01
